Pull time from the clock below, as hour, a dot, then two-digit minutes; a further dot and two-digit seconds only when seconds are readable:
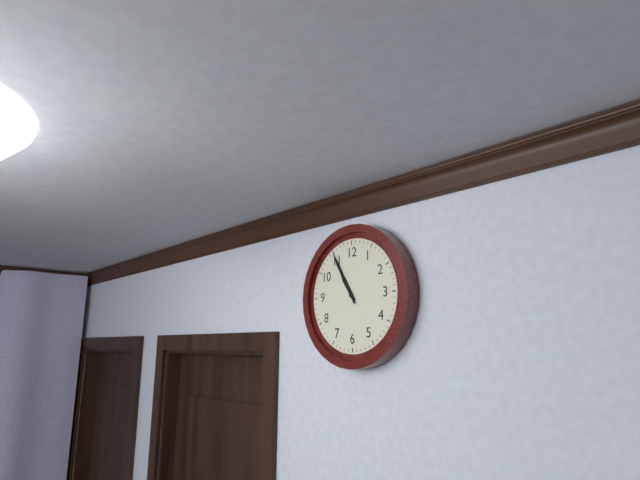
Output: 10.55
